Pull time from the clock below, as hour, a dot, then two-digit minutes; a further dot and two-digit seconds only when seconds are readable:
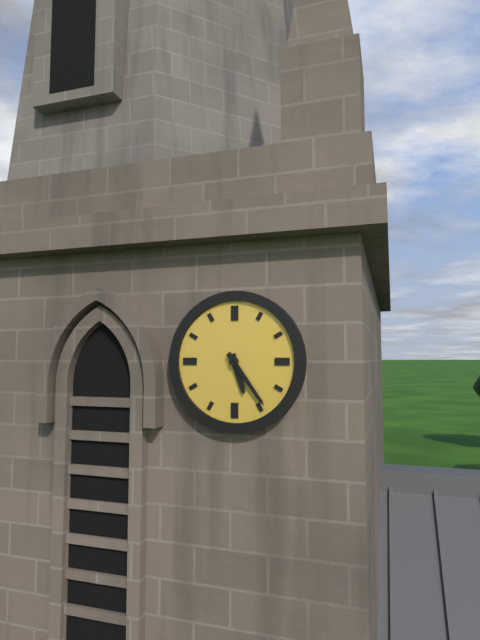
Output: 5.24
